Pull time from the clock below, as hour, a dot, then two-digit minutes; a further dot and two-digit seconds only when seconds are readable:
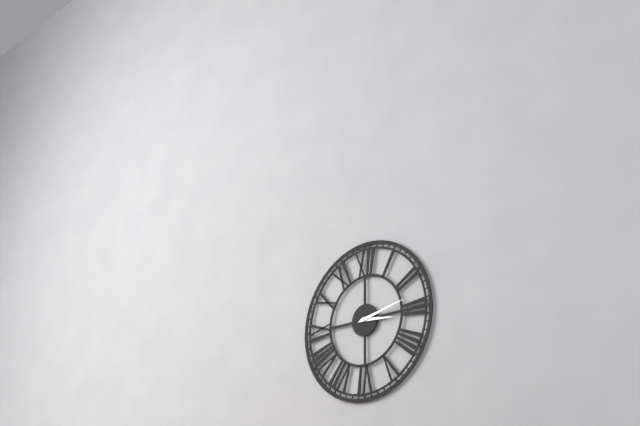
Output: 3.13
